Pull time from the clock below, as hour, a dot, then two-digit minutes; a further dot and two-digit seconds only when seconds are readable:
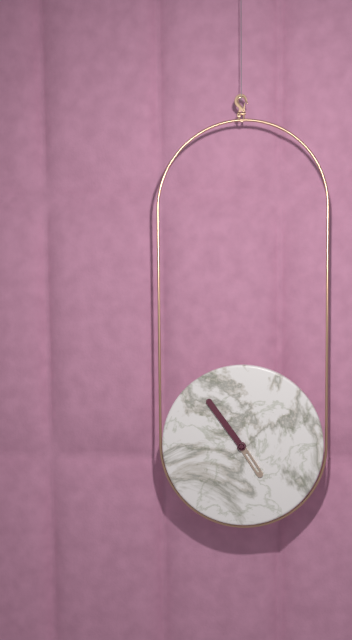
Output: 4.54
